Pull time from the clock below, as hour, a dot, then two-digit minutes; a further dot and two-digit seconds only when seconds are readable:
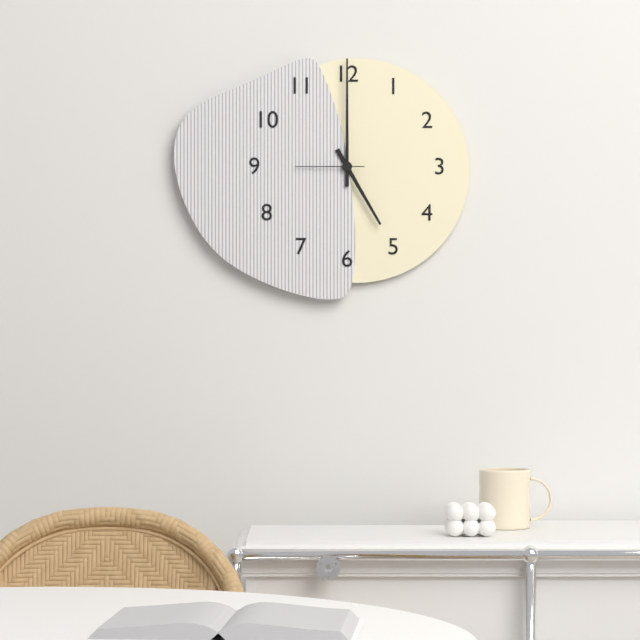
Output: 5.00.45
